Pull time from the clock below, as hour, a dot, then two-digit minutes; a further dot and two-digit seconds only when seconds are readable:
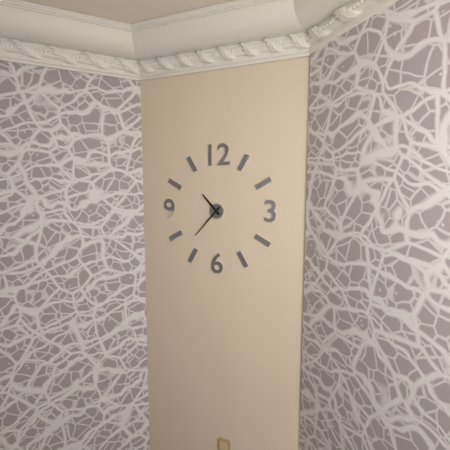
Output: 10.37
